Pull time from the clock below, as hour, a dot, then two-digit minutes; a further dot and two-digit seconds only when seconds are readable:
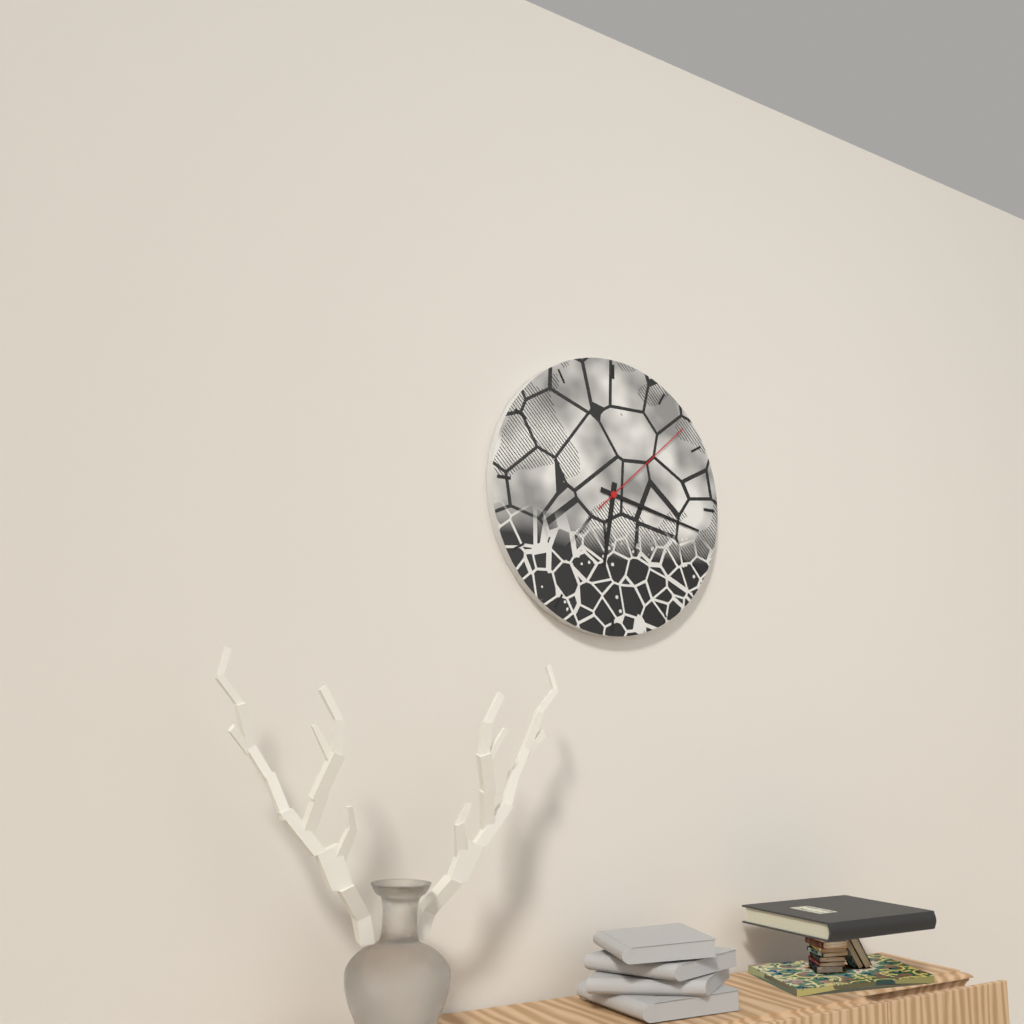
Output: 6.17.08
